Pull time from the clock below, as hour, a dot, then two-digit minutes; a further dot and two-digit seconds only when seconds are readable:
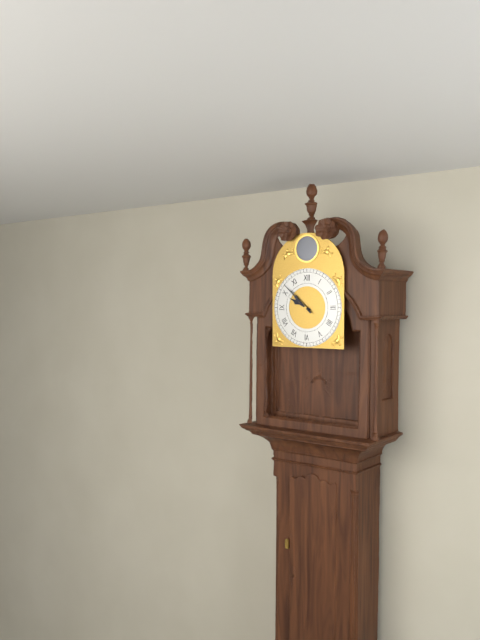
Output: 9.52
